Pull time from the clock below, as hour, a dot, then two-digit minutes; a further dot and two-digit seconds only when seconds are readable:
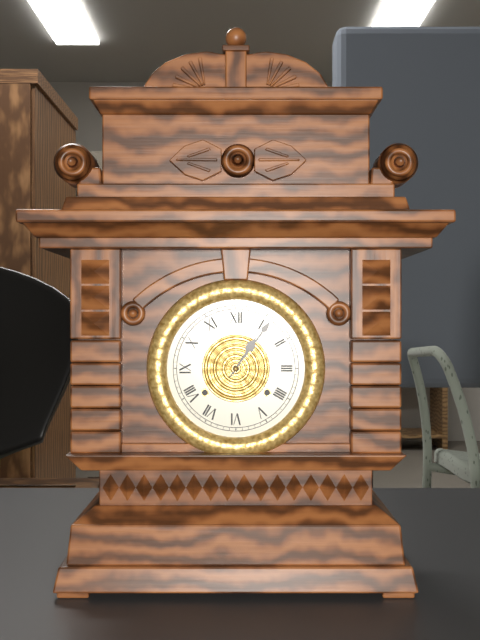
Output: 1.06
